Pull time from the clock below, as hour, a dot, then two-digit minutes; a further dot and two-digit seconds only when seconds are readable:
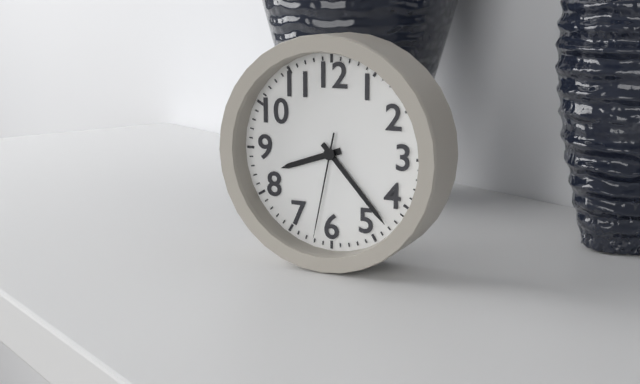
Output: 8.23.32
